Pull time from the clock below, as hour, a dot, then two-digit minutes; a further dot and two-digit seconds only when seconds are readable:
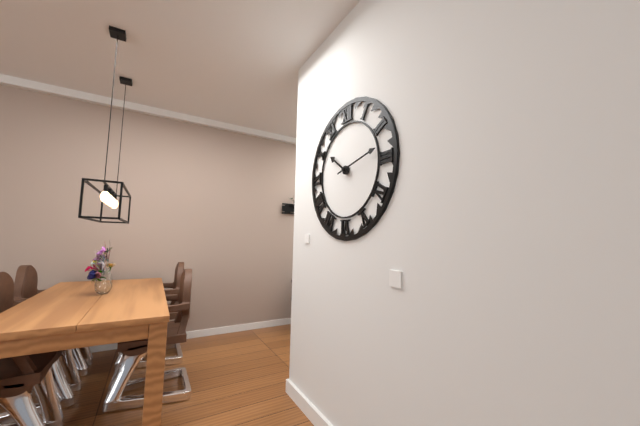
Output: 10.13
